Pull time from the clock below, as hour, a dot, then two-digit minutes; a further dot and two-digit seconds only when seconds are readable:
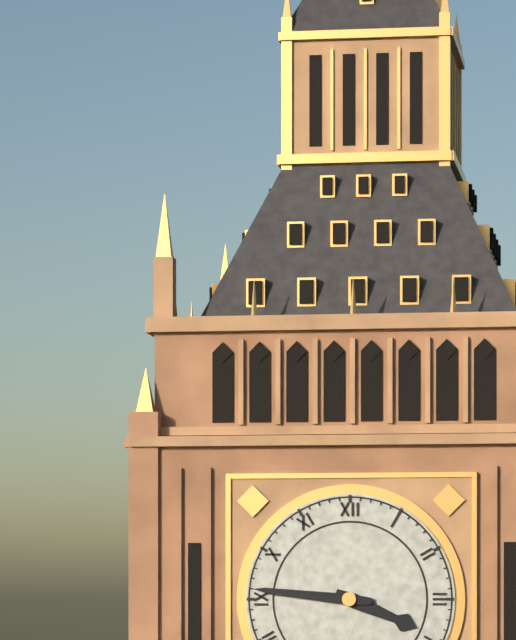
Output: 3.46
